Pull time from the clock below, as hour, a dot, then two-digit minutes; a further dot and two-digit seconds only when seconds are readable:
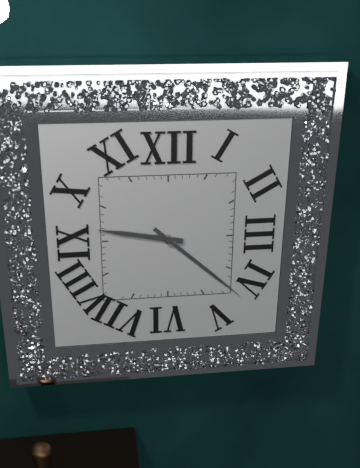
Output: 9.22
